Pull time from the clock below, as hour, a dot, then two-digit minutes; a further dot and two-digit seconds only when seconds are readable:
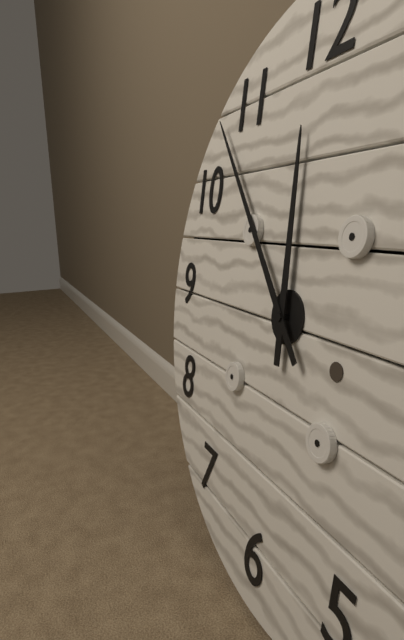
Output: 11.53
